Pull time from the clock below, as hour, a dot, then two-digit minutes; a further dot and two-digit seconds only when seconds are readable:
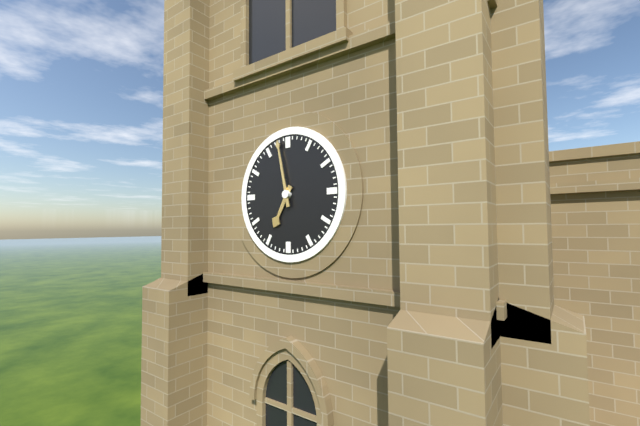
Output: 6.58
